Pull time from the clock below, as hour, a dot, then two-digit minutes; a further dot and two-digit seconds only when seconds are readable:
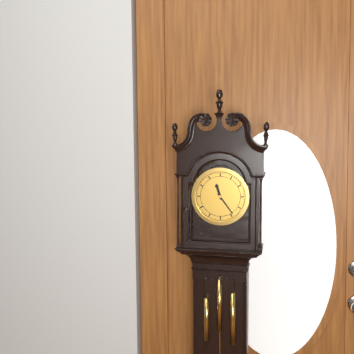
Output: 11.24
